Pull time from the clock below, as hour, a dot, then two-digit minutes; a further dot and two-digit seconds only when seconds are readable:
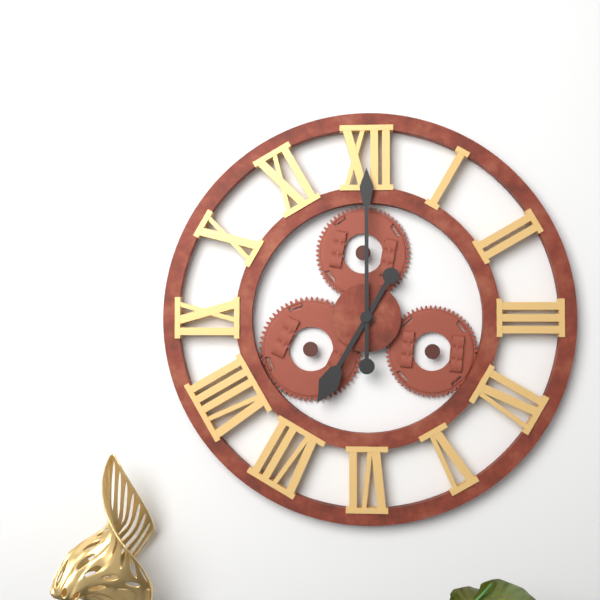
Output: 7.00
